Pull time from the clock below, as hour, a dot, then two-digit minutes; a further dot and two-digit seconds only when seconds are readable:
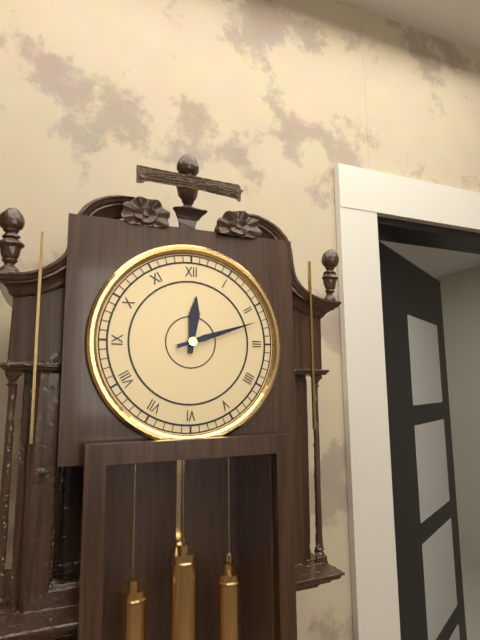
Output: 12.12
